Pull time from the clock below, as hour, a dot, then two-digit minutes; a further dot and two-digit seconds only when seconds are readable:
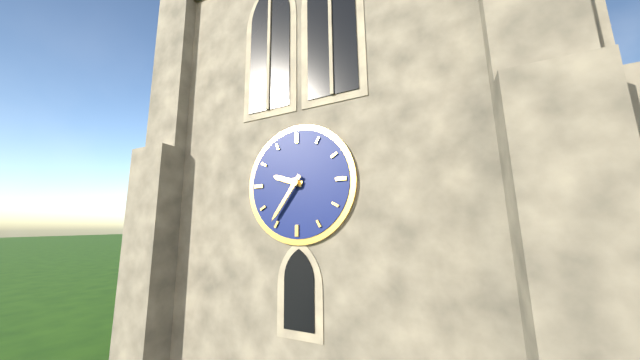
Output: 9.36
